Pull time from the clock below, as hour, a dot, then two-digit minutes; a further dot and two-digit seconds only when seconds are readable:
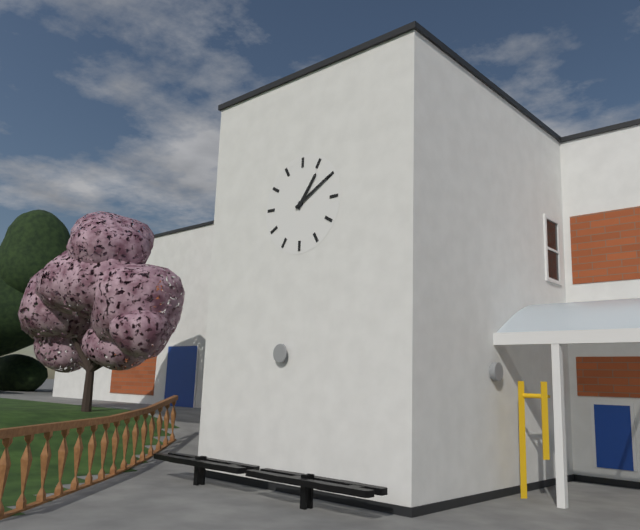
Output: 1.10
